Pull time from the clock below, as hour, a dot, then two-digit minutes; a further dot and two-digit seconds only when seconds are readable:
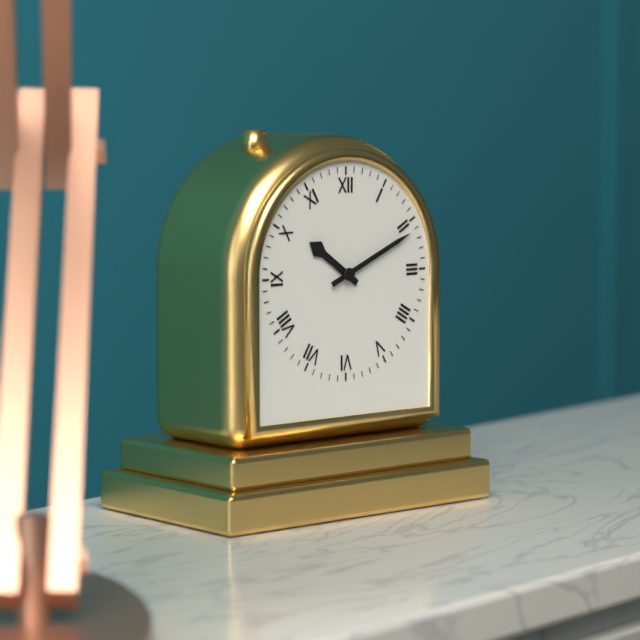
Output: 10.11
